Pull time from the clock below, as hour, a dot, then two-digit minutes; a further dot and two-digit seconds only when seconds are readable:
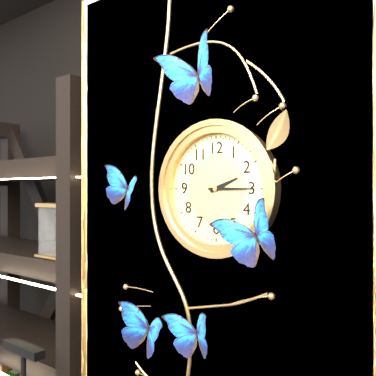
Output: 2.15
